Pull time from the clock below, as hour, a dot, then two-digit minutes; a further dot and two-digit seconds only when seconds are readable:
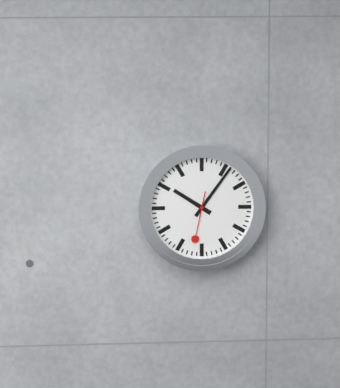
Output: 10.06
